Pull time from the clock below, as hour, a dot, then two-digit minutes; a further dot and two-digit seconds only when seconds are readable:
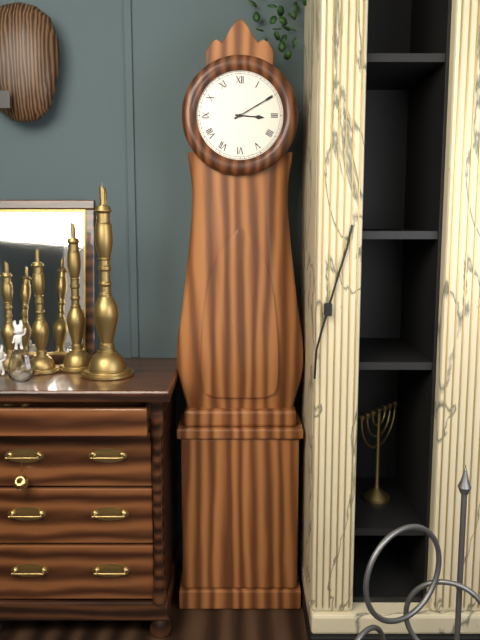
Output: 3.10
